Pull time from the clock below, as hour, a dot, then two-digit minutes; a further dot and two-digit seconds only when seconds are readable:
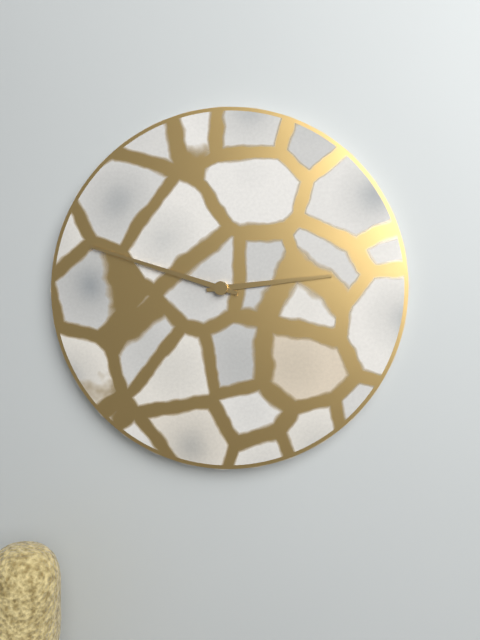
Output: 2.48
